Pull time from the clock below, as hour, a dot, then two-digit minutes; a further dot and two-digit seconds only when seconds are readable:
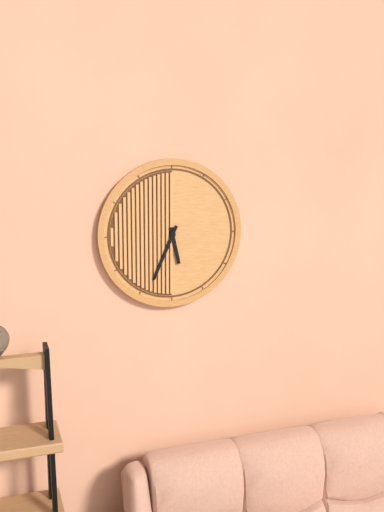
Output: 5.34
